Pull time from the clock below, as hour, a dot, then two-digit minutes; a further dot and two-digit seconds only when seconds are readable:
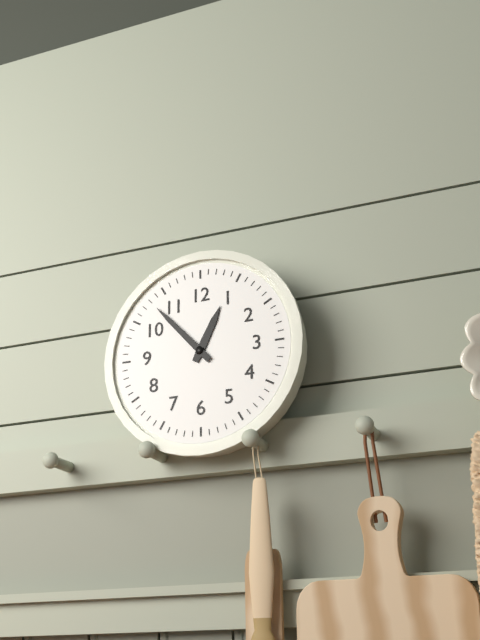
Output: 12.53
